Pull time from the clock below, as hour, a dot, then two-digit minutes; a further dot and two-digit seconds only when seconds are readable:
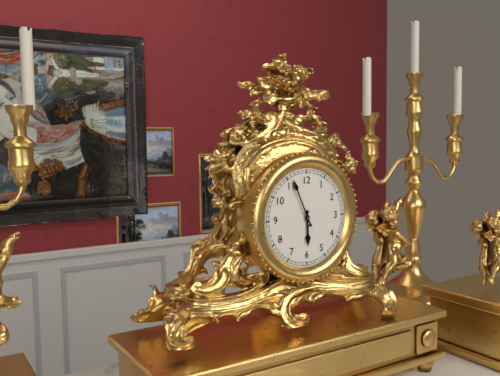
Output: 5.56
